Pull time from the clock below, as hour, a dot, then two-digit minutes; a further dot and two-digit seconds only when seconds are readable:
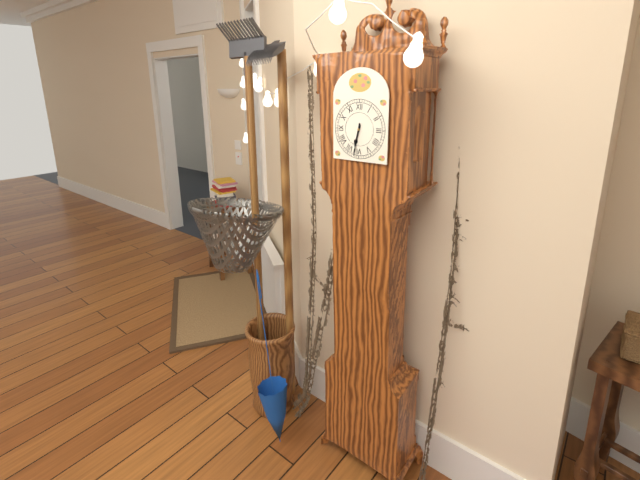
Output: 6.32
